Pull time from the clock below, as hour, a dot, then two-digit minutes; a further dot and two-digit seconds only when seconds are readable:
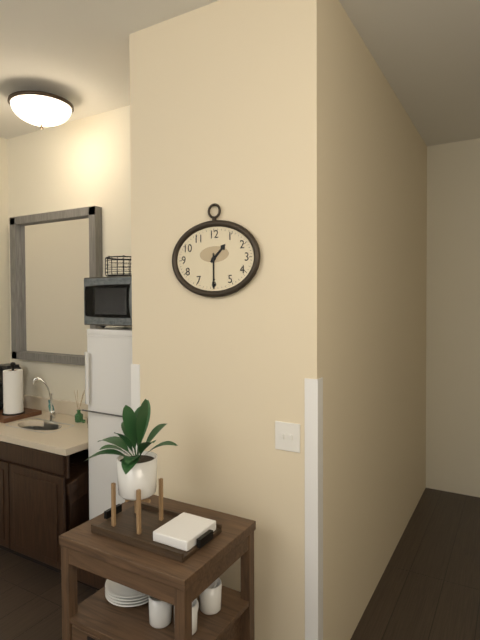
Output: 1.30
